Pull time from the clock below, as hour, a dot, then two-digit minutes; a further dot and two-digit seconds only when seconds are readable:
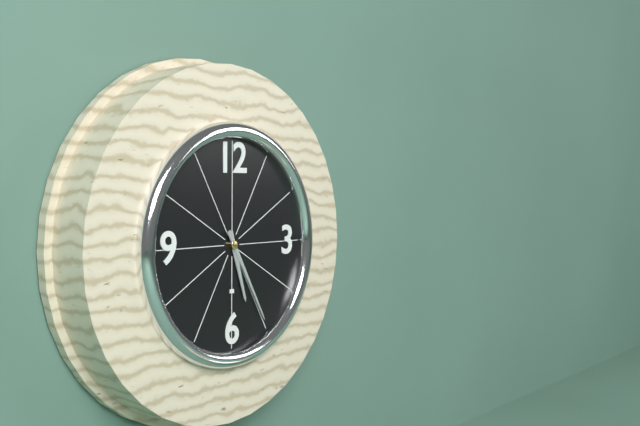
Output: 5.25
